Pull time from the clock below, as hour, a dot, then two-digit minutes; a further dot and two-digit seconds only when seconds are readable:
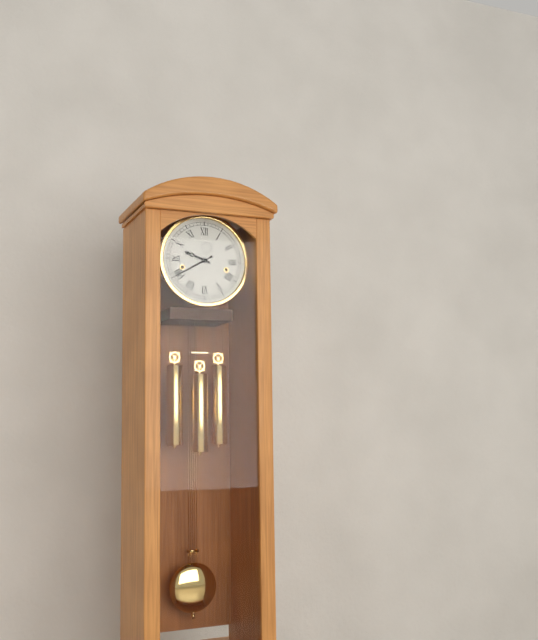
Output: 9.40
